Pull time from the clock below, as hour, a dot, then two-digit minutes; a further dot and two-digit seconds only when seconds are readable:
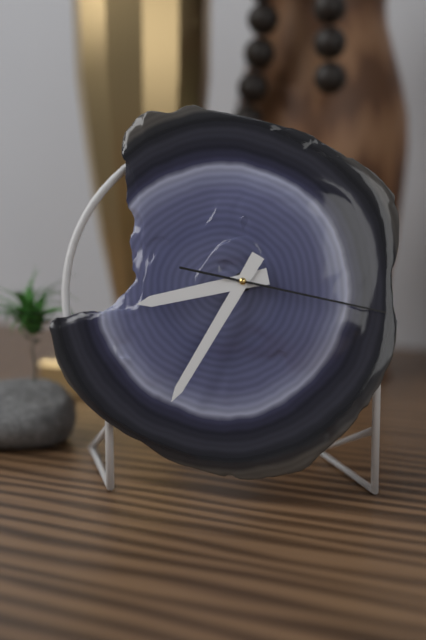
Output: 8.35.17
